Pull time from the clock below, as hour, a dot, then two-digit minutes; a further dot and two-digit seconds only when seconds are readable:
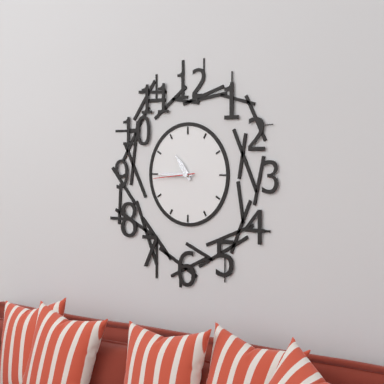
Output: 10.45
